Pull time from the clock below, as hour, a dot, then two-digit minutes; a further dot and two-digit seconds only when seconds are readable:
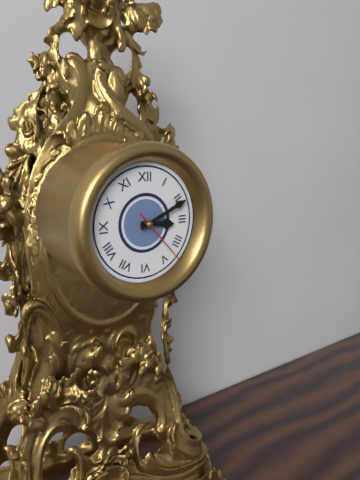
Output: 3.11.23
